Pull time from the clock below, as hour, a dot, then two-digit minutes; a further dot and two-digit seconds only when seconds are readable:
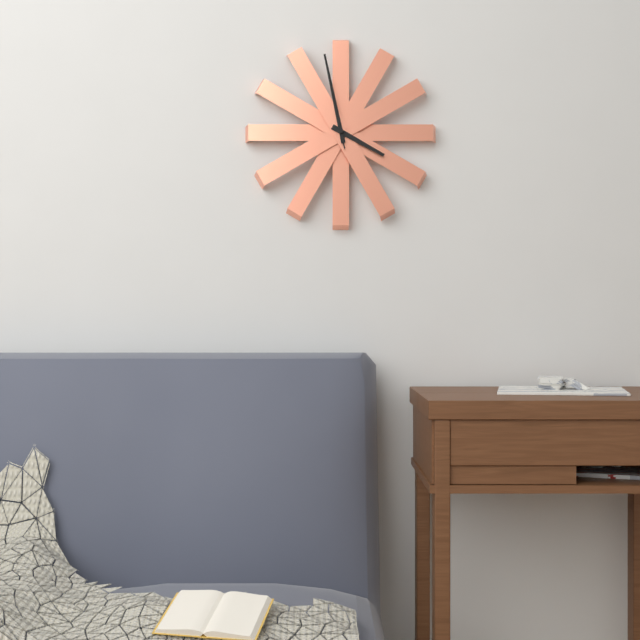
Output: 3.58.58
